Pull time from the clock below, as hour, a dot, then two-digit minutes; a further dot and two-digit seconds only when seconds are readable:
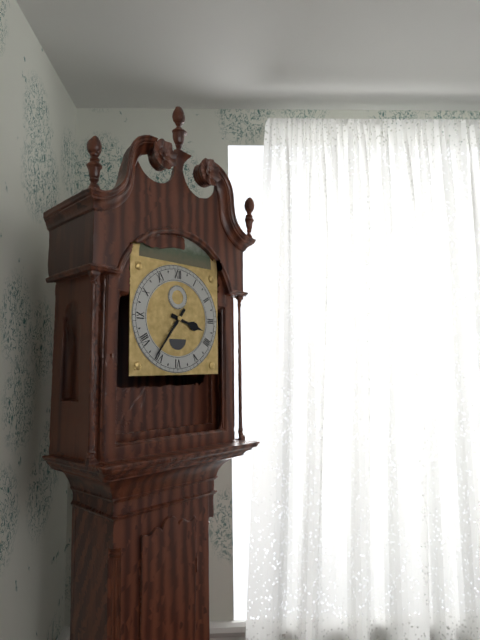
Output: 3.36
